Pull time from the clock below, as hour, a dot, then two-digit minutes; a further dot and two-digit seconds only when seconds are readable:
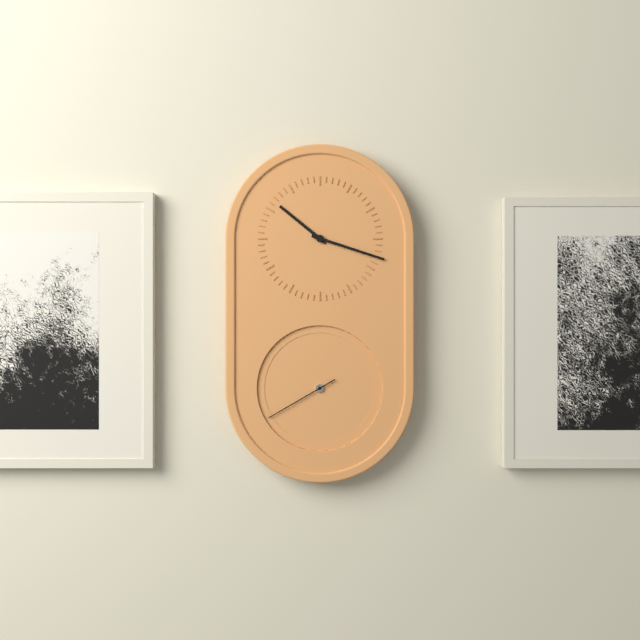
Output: 10.18.40
